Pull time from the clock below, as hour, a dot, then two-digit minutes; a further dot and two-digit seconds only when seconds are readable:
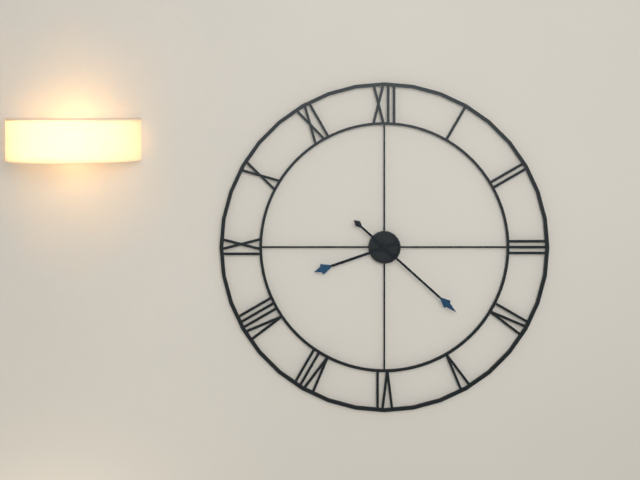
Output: 8.22
